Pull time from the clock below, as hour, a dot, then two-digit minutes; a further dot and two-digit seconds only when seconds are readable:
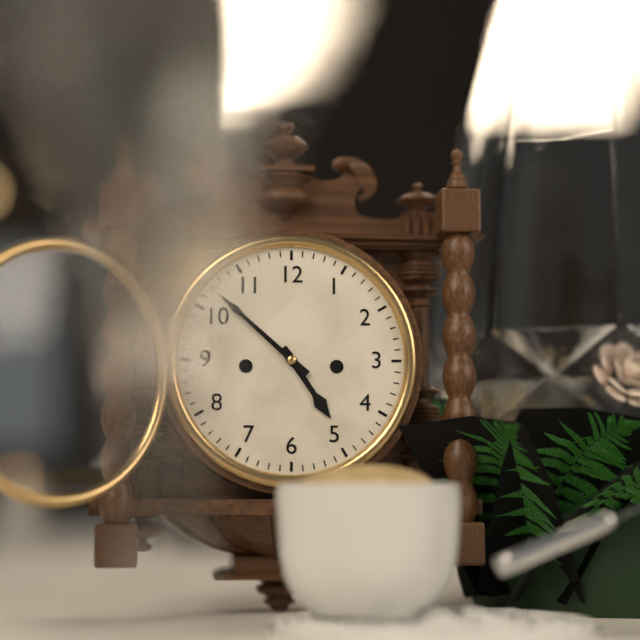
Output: 4.52
